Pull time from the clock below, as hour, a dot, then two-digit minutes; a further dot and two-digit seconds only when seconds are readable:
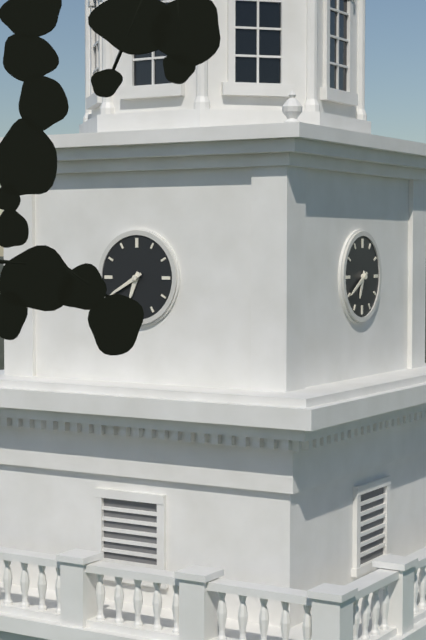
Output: 6.40
